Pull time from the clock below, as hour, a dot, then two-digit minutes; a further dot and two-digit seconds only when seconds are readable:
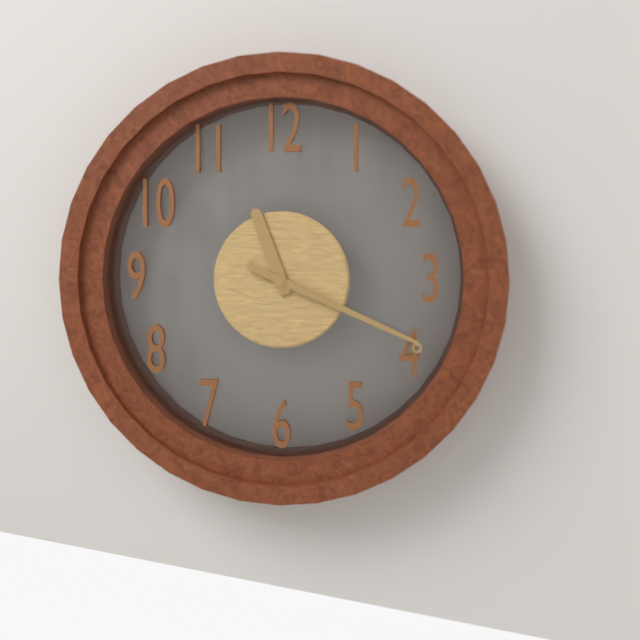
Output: 11.19
